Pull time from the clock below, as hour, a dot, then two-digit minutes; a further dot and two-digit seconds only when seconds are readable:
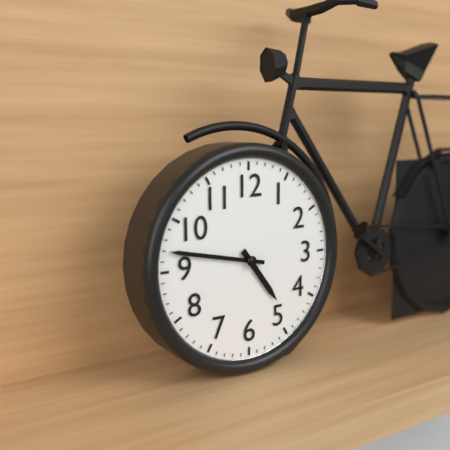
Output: 4.47
